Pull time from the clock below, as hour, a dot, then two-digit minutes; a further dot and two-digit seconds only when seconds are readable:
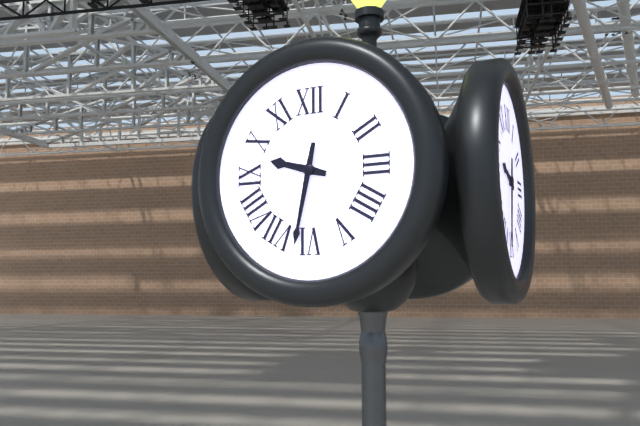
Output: 9.32
